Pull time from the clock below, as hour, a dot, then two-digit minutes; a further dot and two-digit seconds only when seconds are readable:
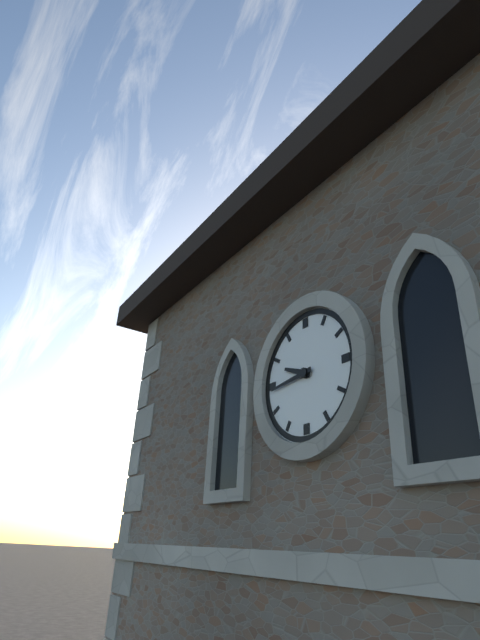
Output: 9.44
